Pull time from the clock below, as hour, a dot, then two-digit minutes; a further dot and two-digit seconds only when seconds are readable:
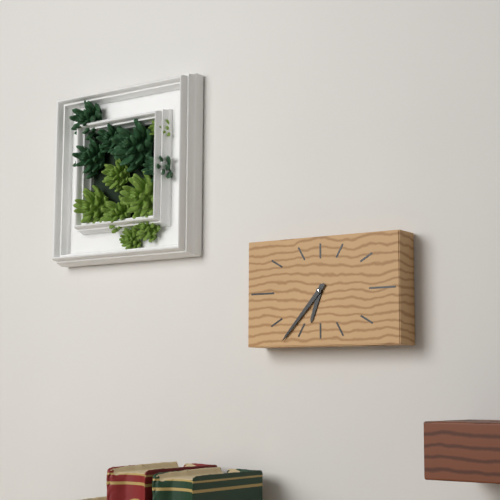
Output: 6.37
